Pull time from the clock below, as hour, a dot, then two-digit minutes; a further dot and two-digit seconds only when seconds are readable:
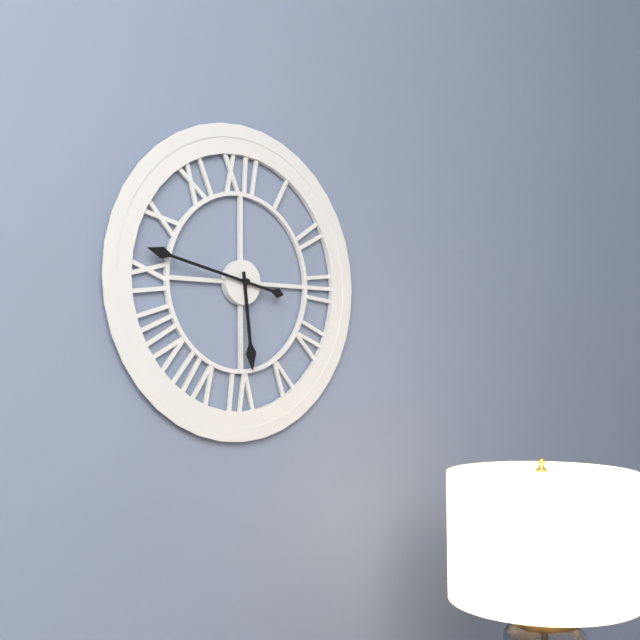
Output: 5.47
